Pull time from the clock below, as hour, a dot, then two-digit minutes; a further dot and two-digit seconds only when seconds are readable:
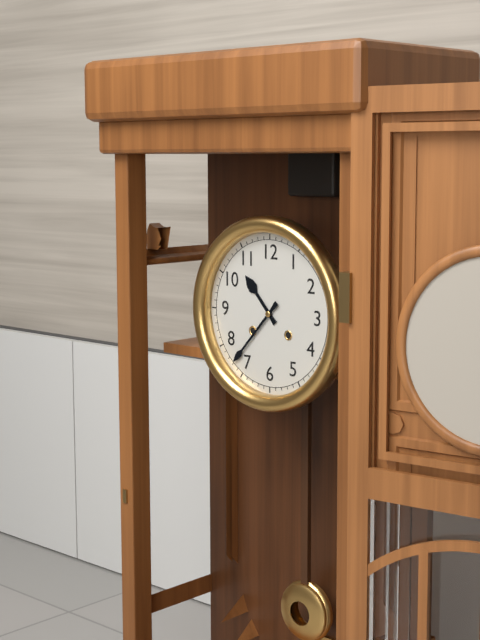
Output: 10.37
